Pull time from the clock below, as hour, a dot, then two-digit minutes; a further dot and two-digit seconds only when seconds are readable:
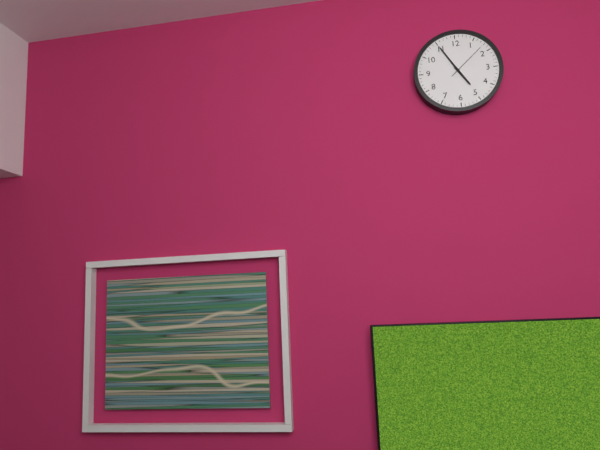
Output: 4.55
